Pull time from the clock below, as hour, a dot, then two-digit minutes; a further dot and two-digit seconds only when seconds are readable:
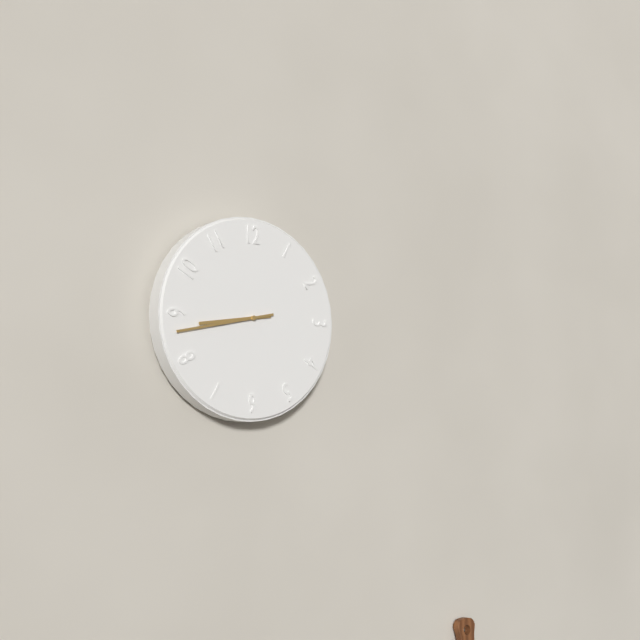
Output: 8.43
